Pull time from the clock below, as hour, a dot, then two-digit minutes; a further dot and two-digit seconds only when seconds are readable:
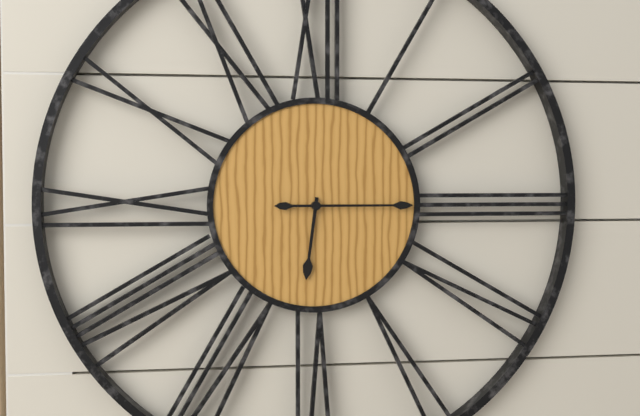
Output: 6.15
